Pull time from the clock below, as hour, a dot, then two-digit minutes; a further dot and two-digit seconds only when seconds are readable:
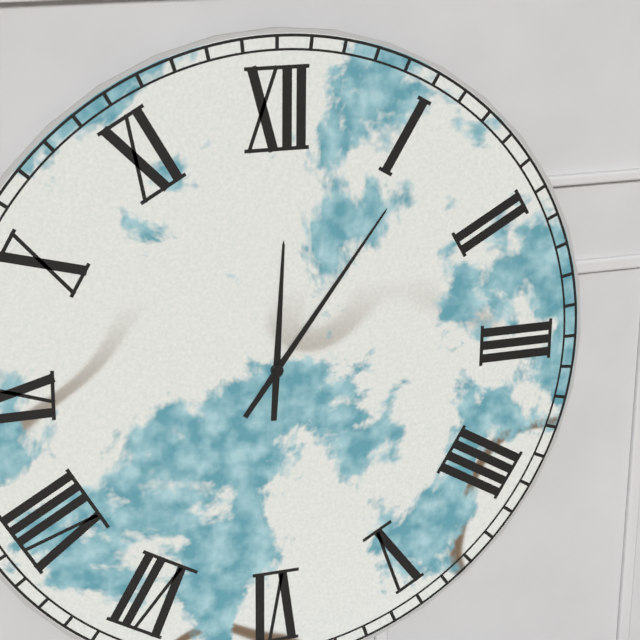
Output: 12.06
